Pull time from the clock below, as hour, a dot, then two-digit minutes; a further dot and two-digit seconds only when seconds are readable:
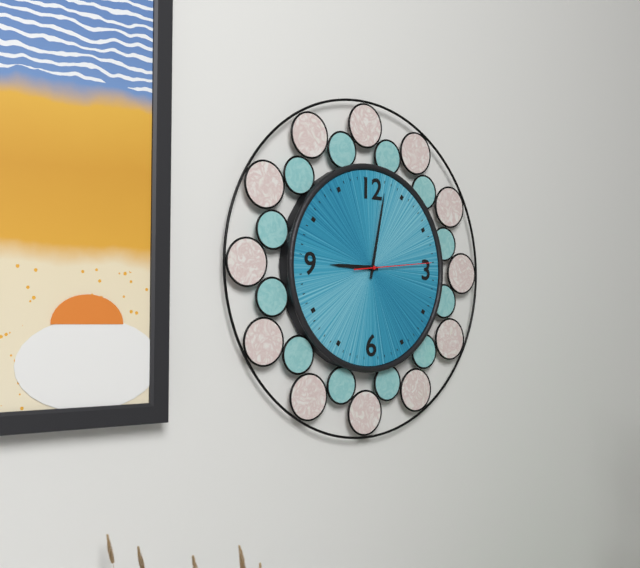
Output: 9.02.14
